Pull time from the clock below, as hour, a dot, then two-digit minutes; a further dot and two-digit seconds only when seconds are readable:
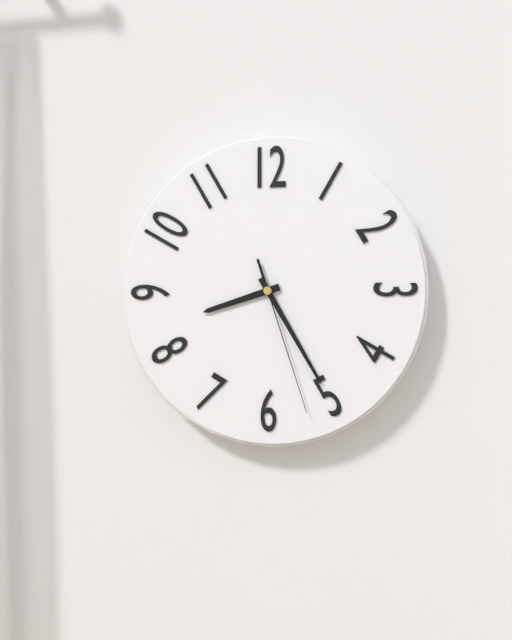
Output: 8.25.27
